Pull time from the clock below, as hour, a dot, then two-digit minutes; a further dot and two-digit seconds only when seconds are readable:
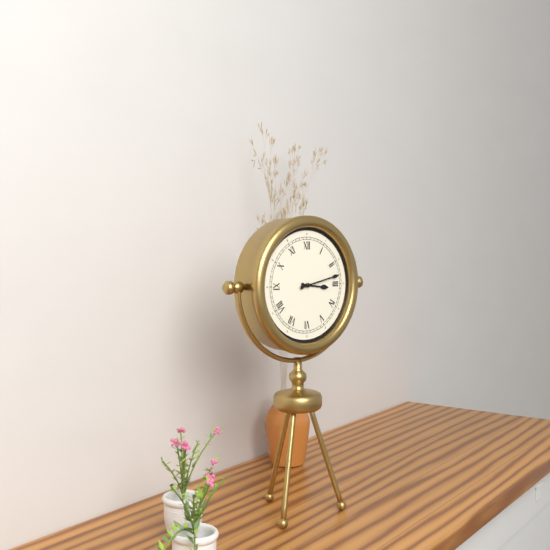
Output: 3.13
